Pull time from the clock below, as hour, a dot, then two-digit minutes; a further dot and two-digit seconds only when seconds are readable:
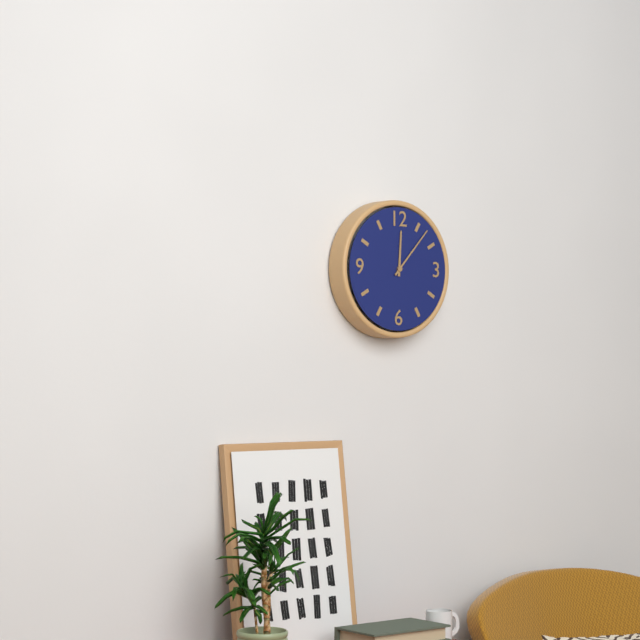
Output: 12.07
